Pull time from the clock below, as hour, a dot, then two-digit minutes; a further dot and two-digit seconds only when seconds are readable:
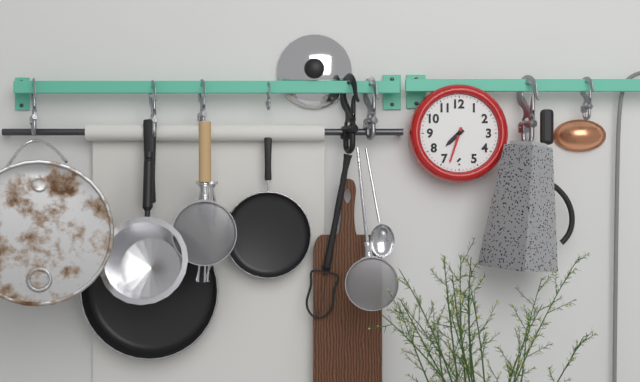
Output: 7.33
